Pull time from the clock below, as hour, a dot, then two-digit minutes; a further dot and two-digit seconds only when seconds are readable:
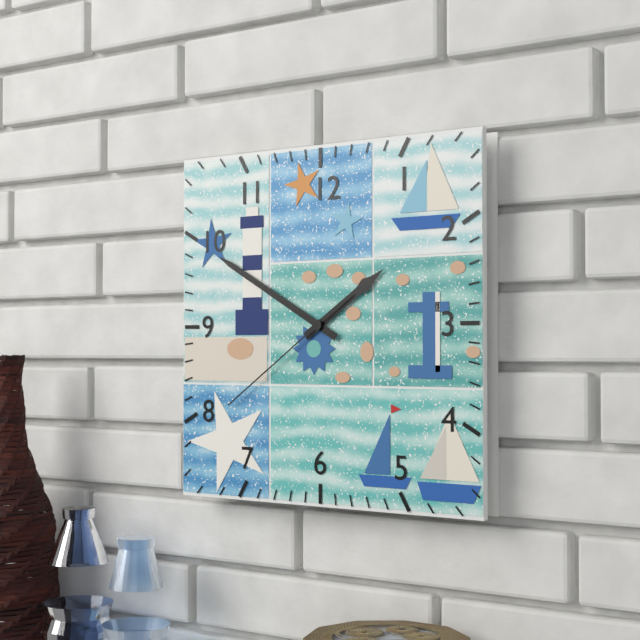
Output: 1.50.39
